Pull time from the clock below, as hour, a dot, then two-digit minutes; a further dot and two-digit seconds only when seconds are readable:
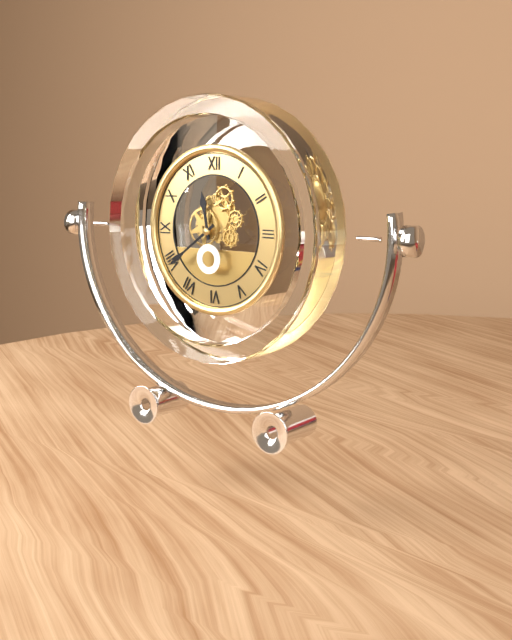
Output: 11.39
